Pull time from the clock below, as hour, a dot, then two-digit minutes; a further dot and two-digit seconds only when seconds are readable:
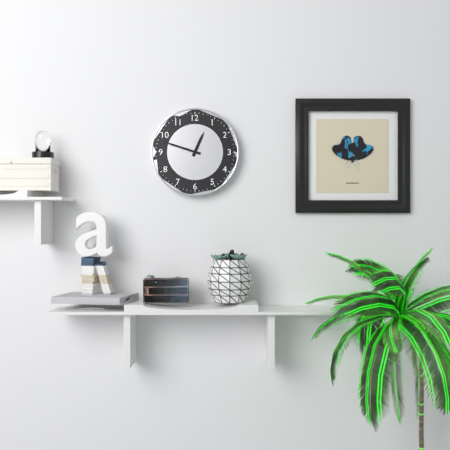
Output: 12.48
